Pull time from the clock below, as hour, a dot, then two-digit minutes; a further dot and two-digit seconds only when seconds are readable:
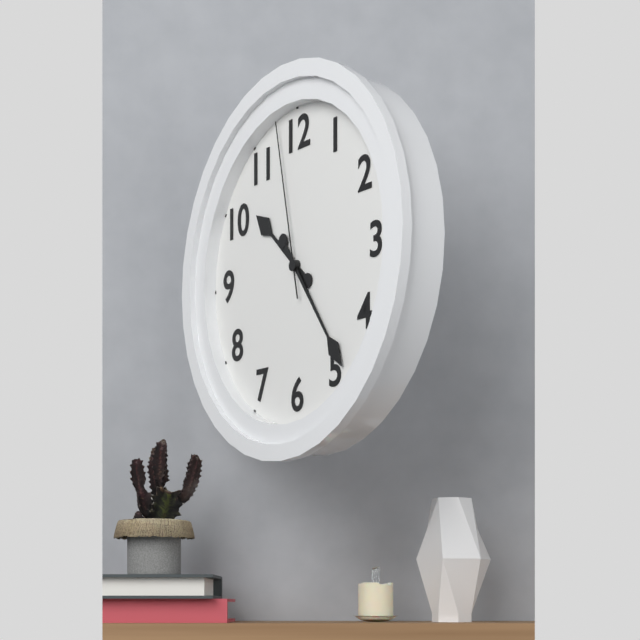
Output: 10.24.58
